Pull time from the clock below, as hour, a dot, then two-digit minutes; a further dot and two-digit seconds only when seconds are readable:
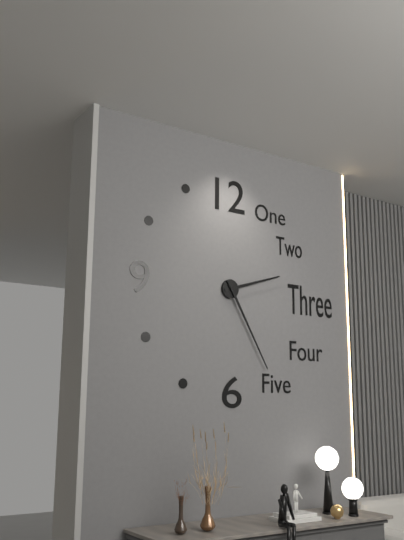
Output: 2.25
